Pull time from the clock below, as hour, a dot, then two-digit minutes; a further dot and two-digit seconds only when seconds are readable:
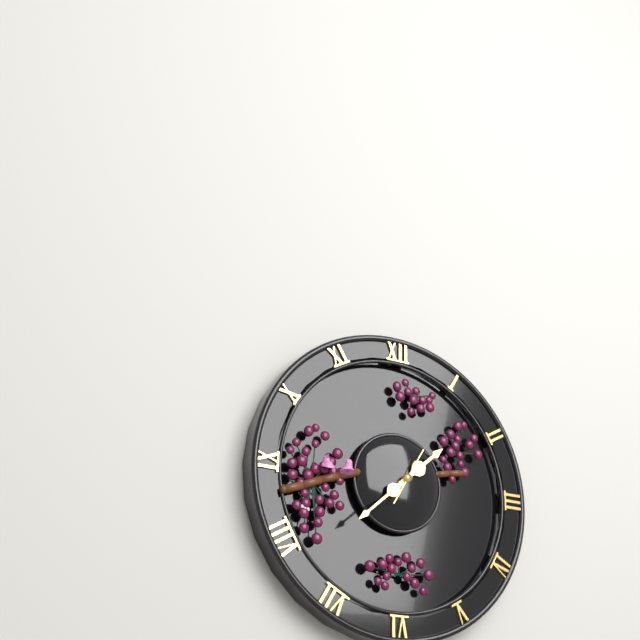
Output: 1.38.05
